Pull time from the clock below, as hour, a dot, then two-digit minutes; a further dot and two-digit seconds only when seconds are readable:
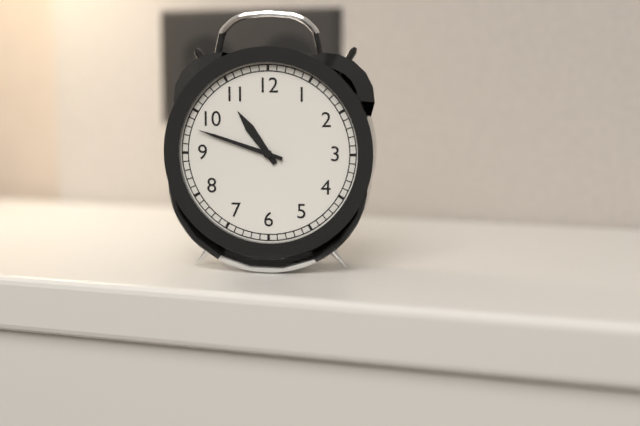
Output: 10.48
